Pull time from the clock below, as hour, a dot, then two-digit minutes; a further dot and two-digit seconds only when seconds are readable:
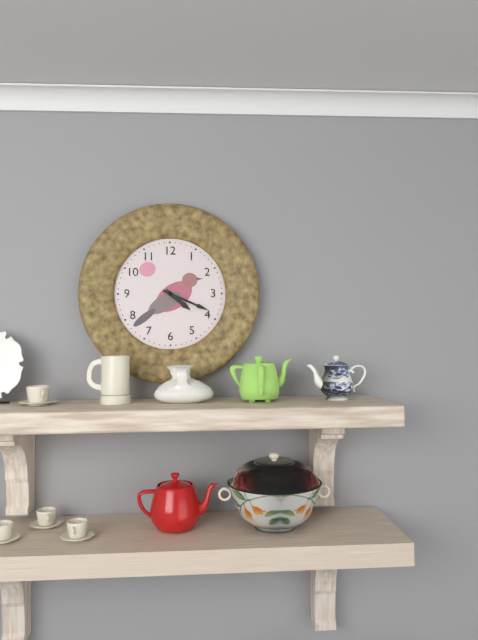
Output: 4.19
